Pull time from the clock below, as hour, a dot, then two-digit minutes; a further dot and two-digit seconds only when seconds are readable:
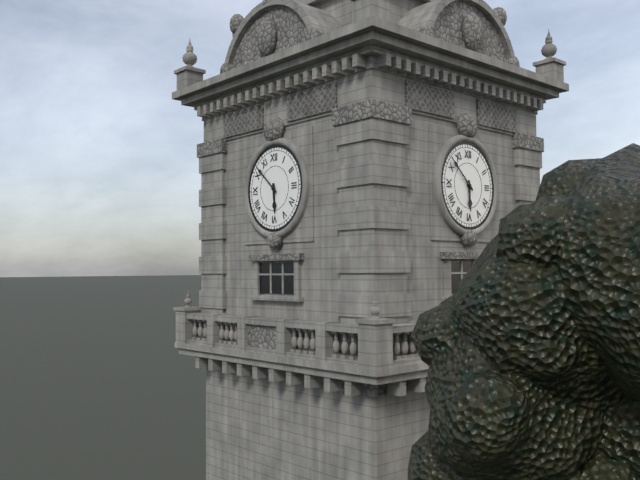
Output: 5.52
